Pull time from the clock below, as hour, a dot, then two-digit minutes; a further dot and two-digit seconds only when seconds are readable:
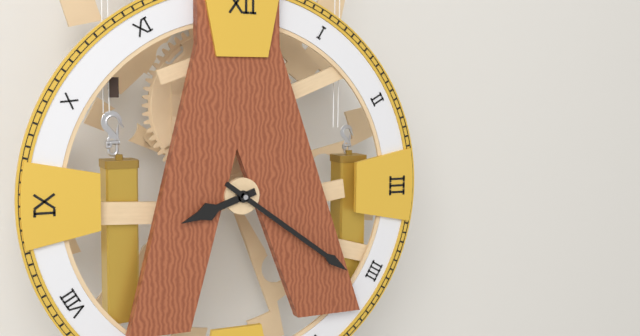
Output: 8.21
